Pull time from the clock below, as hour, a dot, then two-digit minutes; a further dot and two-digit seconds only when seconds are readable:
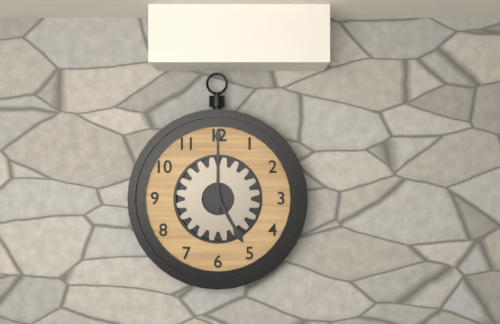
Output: 5.00
